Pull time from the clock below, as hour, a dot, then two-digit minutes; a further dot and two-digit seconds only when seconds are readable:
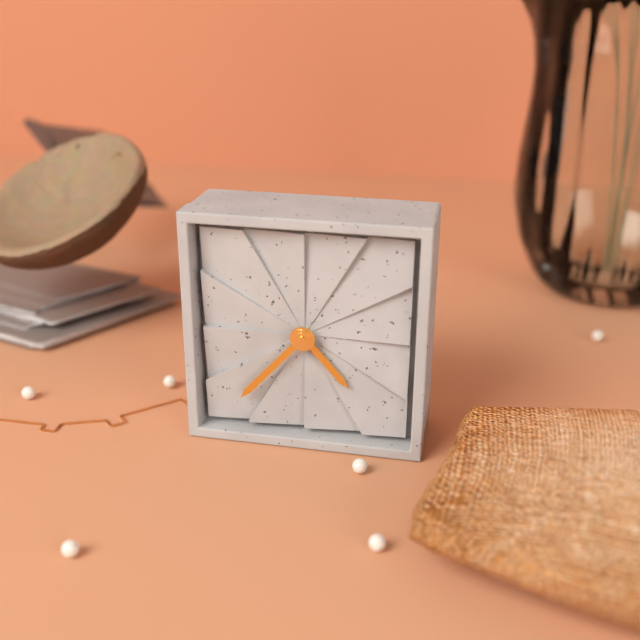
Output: 4.37
